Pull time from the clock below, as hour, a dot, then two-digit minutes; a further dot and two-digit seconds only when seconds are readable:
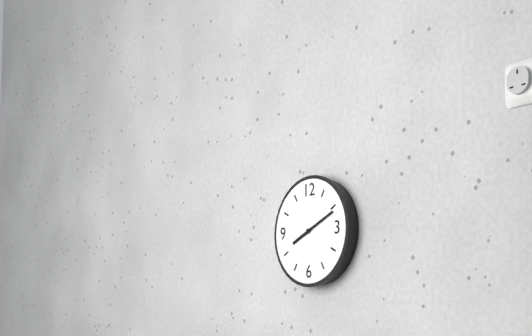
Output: 8.11
